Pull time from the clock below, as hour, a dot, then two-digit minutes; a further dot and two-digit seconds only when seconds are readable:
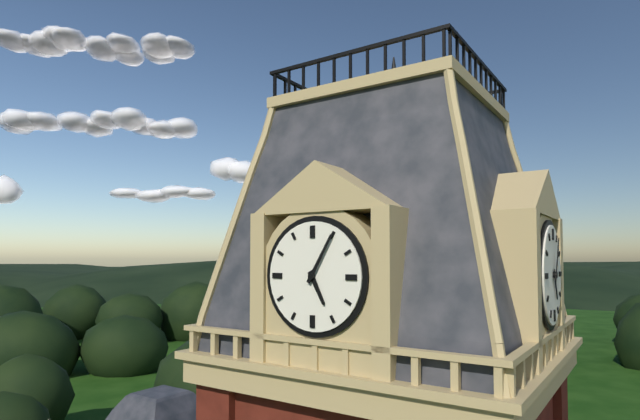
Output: 5.05
